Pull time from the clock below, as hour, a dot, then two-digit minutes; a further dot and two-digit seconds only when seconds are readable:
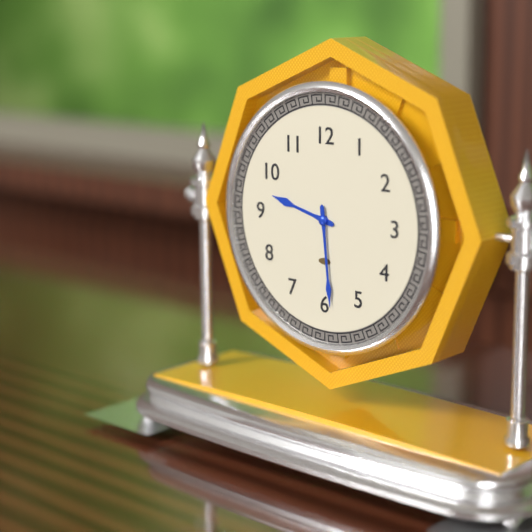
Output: 9.29
